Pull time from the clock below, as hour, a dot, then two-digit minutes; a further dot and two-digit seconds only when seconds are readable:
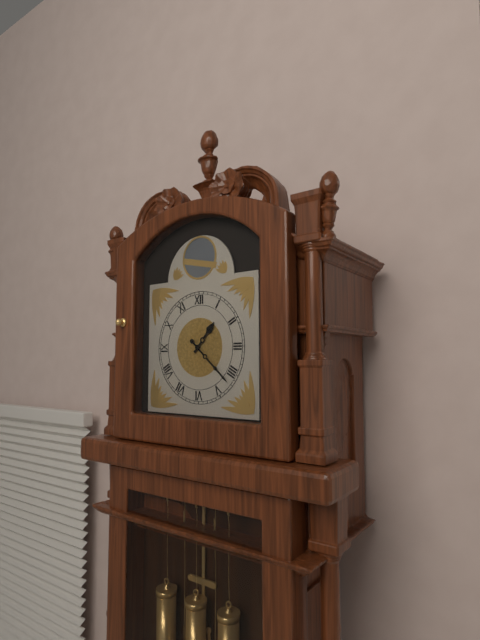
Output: 1.22
